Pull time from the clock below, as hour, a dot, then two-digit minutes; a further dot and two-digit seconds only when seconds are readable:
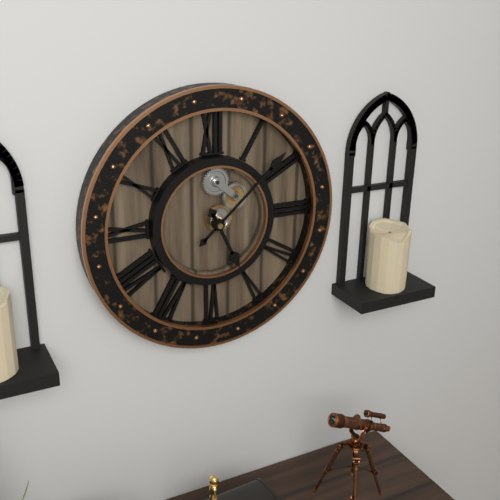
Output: 5.08
